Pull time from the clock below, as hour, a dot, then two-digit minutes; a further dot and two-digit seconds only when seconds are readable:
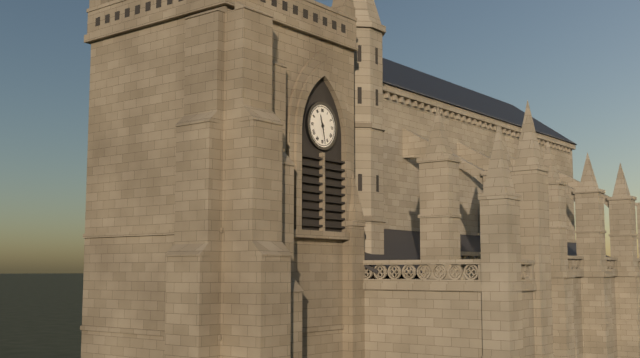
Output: 11.28
